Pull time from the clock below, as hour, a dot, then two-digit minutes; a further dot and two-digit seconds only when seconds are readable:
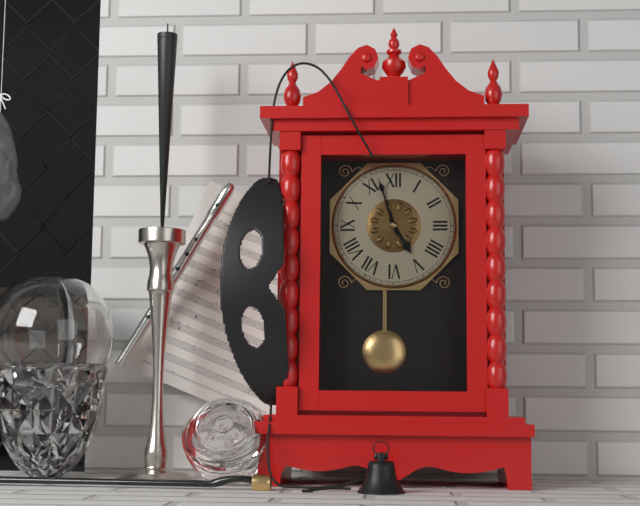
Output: 4.57
